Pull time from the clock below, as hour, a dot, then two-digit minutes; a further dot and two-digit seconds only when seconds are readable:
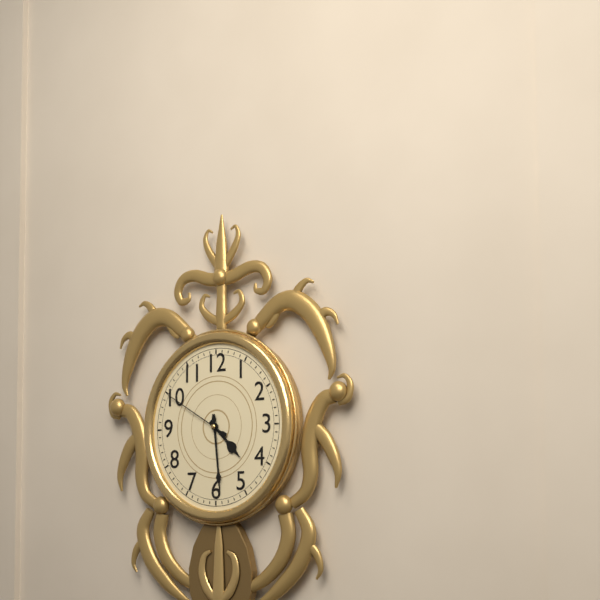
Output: 4.29.50
